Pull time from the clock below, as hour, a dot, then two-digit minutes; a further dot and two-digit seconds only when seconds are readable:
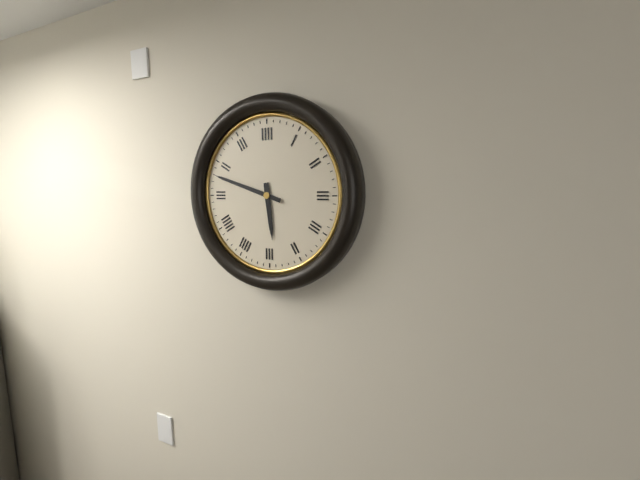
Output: 5.48
